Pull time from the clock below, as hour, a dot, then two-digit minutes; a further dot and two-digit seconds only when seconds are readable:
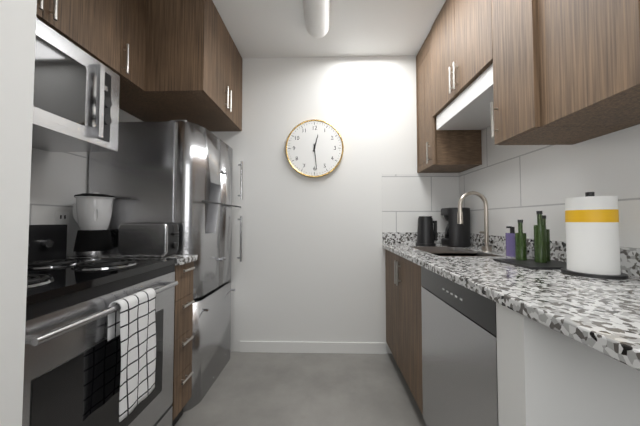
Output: 12.29
